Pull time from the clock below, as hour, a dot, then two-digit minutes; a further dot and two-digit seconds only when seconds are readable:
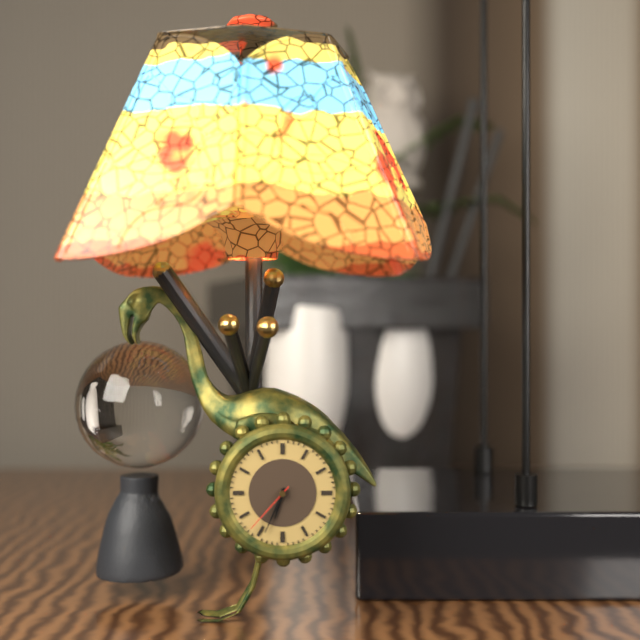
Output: 6.34.37
